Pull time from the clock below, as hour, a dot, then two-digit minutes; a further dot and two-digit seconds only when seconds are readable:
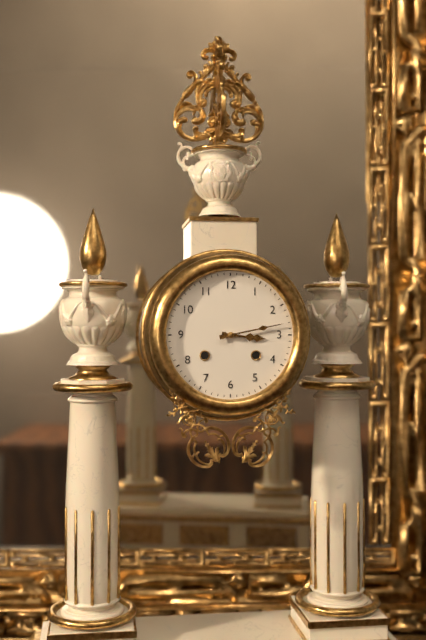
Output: 3.13
